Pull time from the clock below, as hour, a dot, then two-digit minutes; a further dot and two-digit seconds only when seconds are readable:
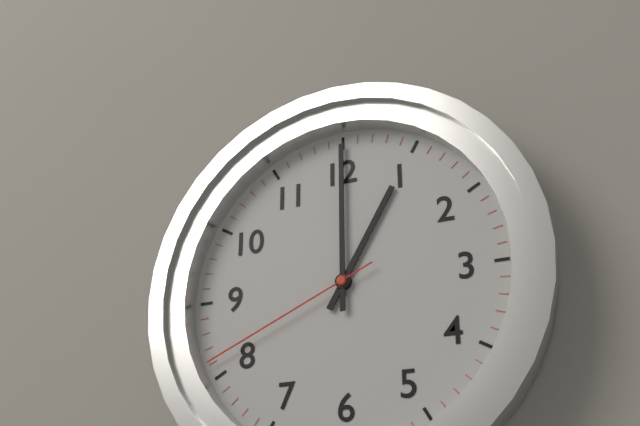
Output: 1.00.41
